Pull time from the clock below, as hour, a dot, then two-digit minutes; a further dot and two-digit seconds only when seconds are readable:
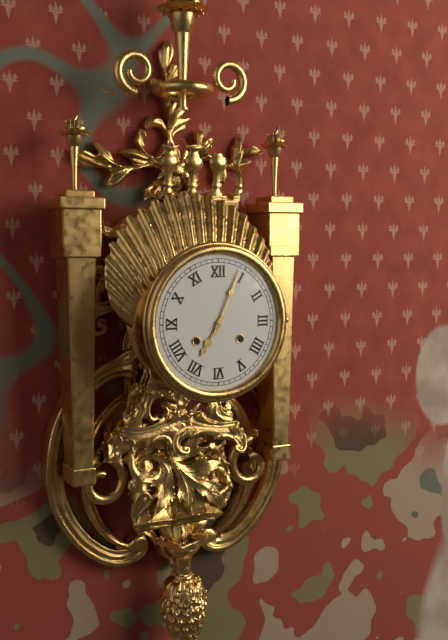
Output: 7.04
